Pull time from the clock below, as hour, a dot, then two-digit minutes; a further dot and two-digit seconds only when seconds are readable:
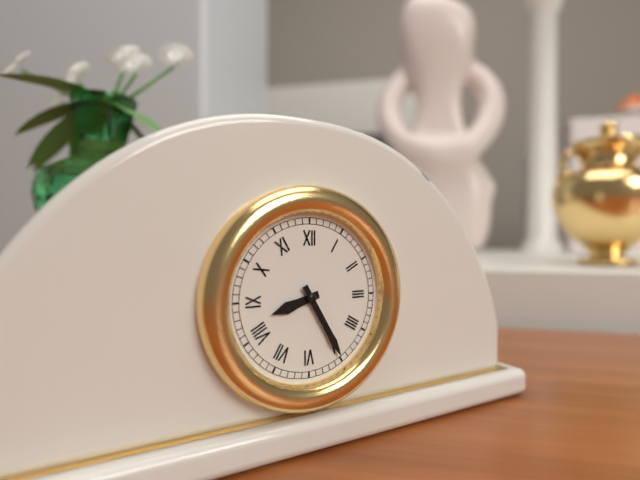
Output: 8.25
